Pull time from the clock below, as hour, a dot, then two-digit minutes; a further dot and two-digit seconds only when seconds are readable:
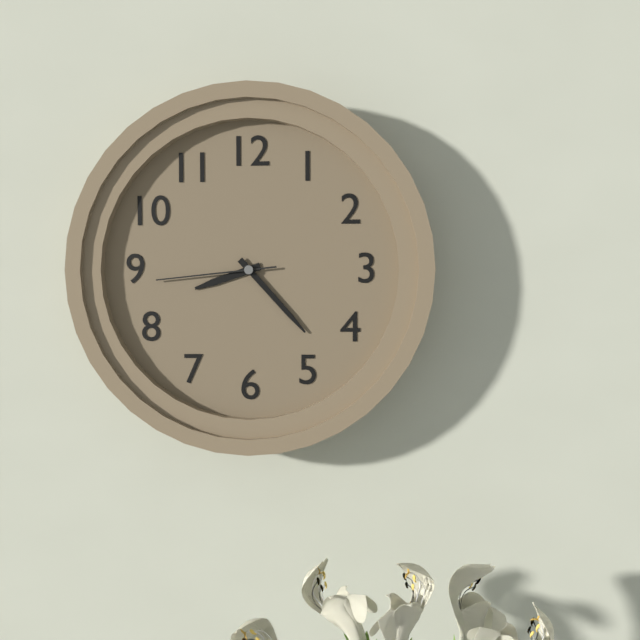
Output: 8.23.44
